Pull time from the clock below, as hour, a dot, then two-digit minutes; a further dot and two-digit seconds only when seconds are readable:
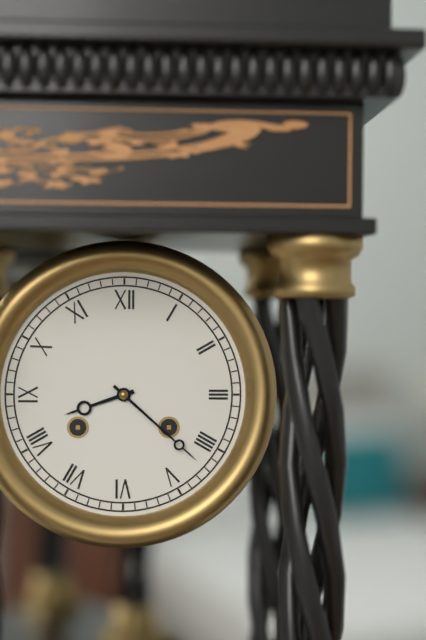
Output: 8.22
